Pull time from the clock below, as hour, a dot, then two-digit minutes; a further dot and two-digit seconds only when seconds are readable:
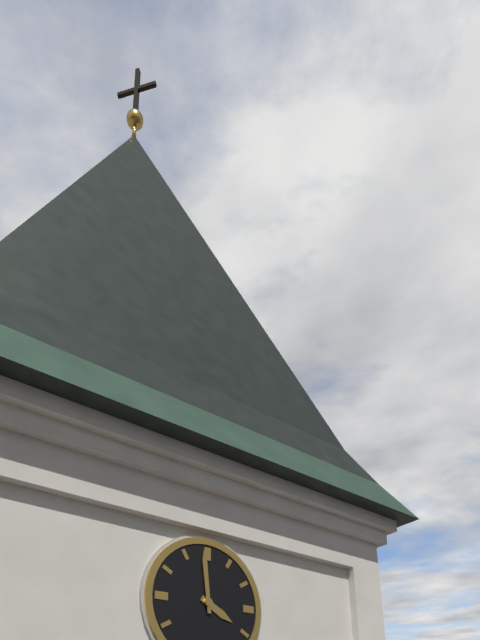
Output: 3.59
